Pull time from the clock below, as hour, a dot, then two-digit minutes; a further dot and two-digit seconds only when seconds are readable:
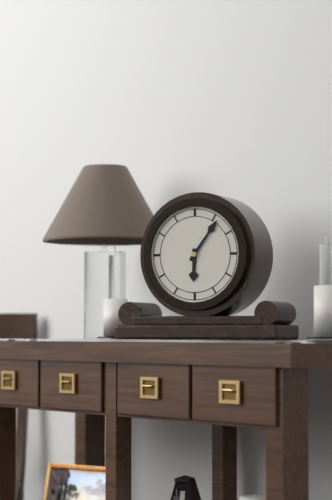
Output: 6.06
